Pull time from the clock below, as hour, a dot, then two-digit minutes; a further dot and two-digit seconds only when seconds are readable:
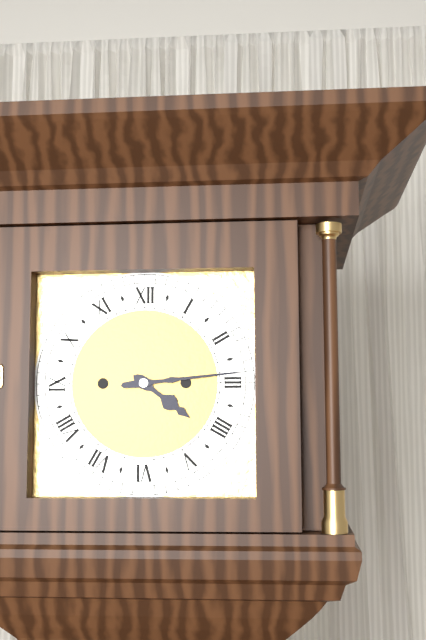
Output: 4.14
